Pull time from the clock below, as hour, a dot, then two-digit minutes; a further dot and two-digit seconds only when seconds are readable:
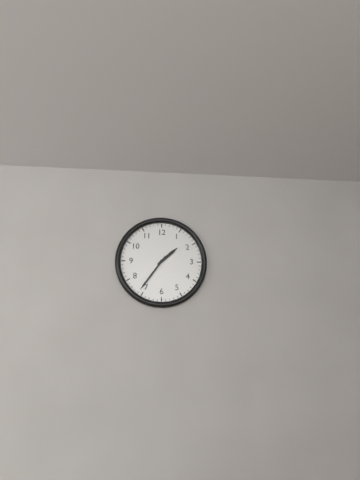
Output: 1.36
